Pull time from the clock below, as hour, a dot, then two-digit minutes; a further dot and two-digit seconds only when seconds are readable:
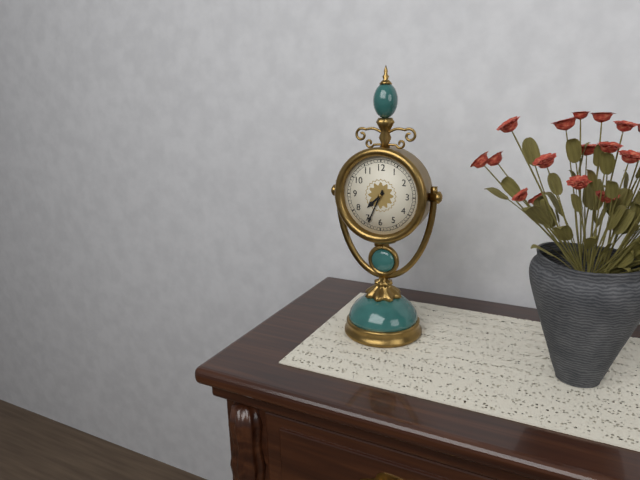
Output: 7.34
